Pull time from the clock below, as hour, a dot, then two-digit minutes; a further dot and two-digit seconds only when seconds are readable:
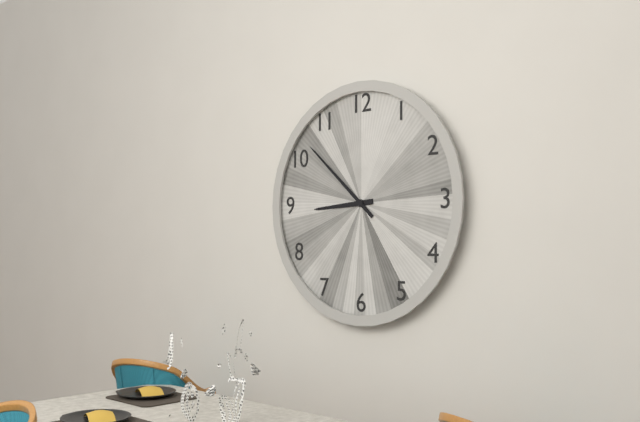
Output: 8.52
